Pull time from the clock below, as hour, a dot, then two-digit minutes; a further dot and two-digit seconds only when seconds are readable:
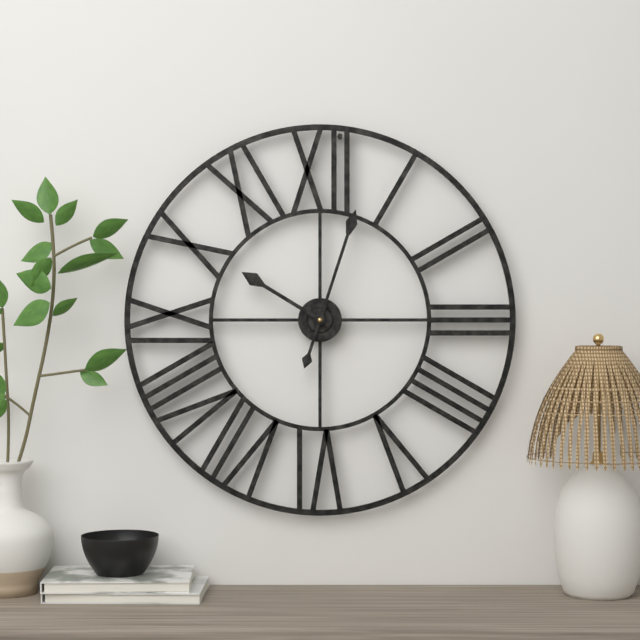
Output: 10.03
